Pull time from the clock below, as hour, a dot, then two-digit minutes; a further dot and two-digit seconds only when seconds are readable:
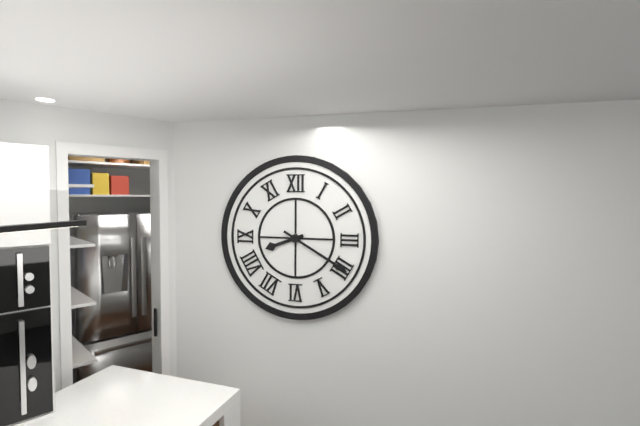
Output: 8.20
